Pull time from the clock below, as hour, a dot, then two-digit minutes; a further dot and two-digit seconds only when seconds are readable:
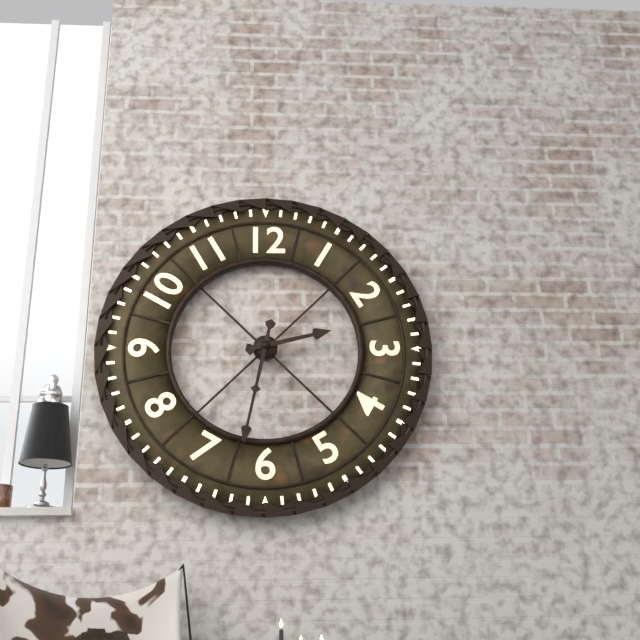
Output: 2.32
